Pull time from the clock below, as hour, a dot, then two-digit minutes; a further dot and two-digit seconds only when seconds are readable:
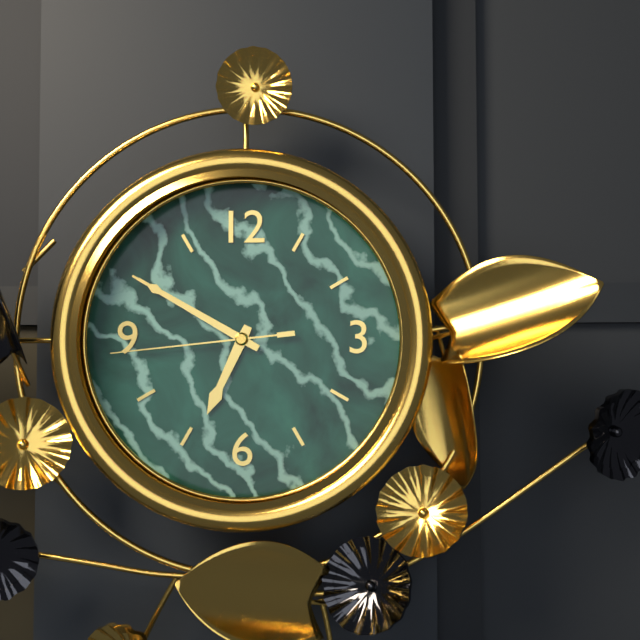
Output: 6.50.44
